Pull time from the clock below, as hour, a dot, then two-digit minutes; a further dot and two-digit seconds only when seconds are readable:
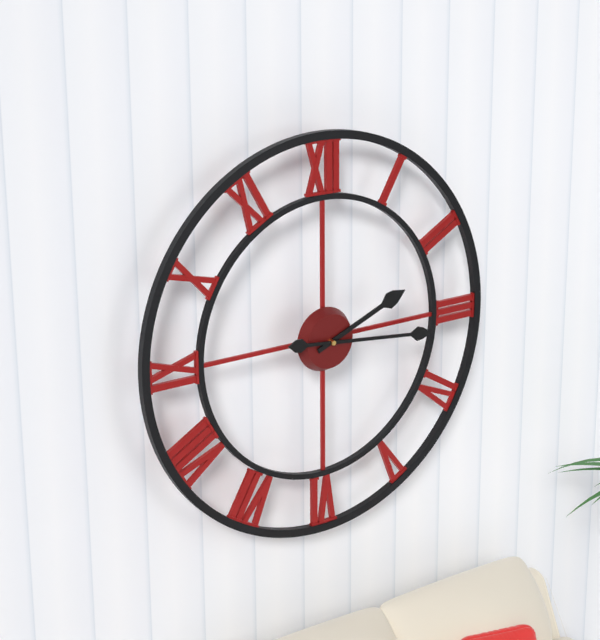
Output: 2.16
